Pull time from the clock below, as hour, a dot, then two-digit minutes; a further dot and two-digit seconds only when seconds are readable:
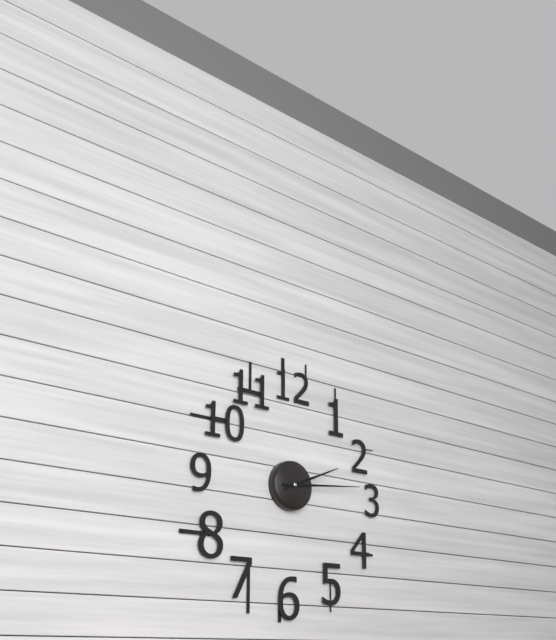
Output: 2.14
